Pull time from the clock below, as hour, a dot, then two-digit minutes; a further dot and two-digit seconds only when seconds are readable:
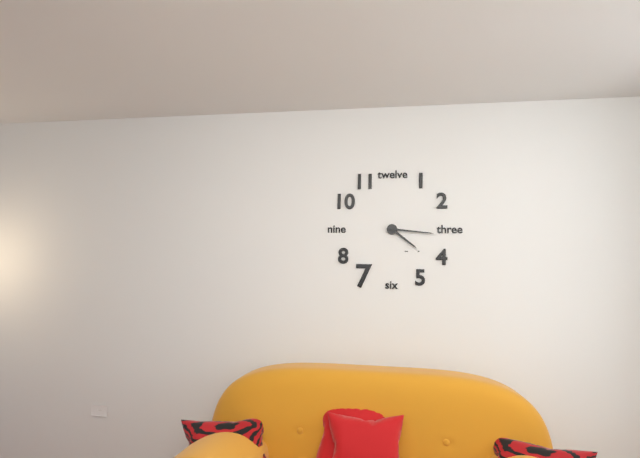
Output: 4.16
